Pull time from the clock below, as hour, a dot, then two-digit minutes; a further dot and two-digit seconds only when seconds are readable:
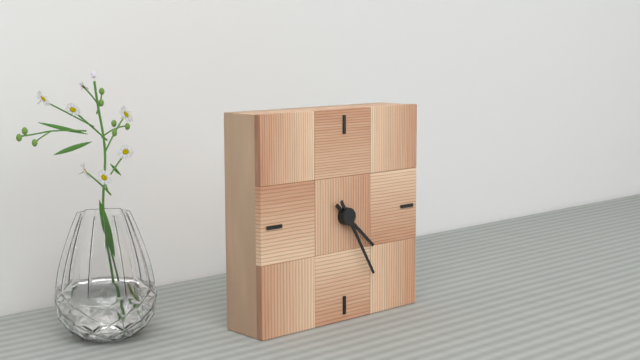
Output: 4.25
